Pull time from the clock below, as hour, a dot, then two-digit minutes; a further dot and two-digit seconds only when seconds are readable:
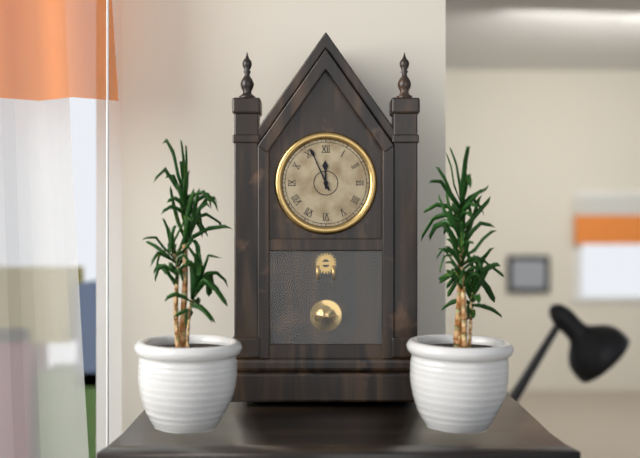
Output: 11.56
